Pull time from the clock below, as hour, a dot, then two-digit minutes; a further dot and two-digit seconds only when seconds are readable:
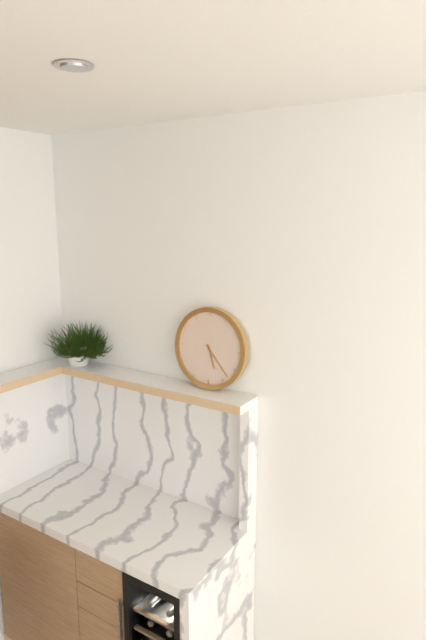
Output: 5.23
